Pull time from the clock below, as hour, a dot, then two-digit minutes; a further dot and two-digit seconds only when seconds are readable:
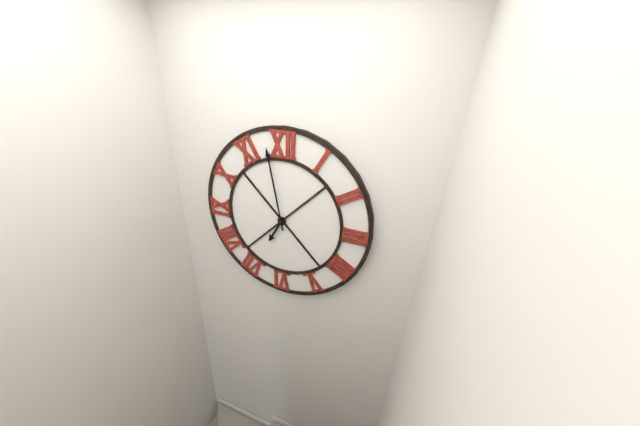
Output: 6.58
